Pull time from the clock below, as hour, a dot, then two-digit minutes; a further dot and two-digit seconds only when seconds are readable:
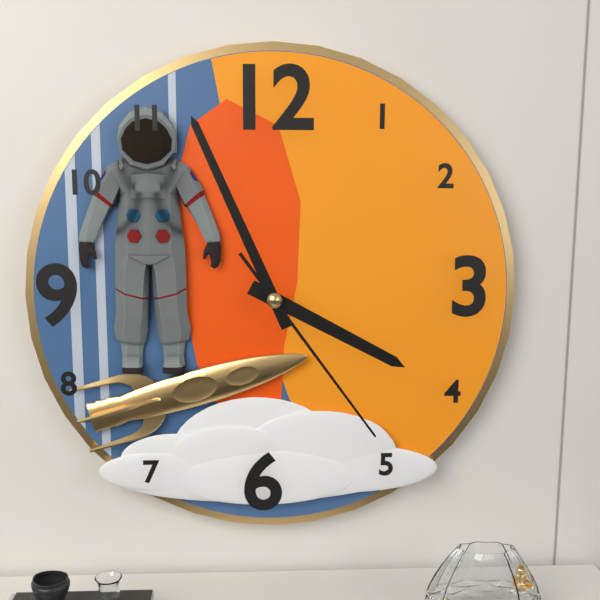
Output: 3.56.24
